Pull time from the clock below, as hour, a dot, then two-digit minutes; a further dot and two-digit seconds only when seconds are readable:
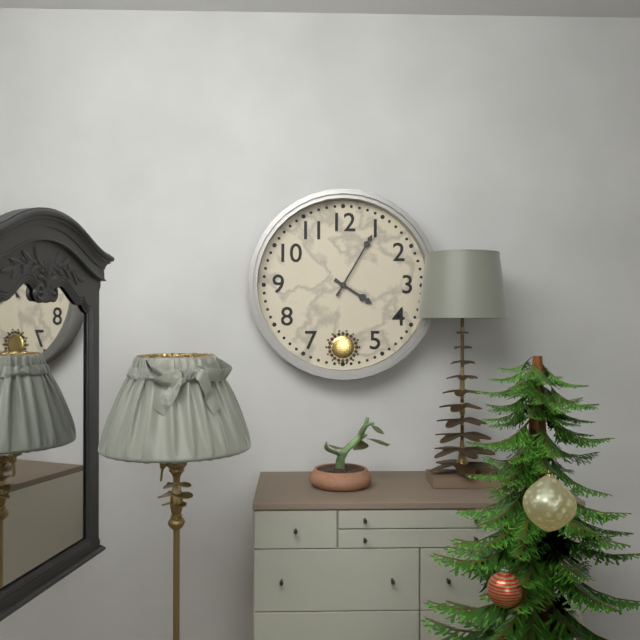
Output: 4.05
